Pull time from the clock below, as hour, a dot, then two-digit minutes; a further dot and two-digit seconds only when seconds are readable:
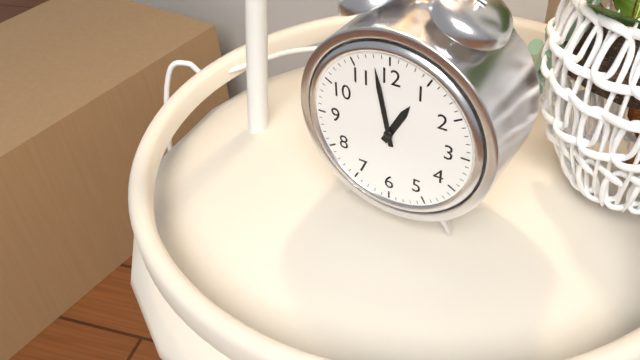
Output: 12.58
